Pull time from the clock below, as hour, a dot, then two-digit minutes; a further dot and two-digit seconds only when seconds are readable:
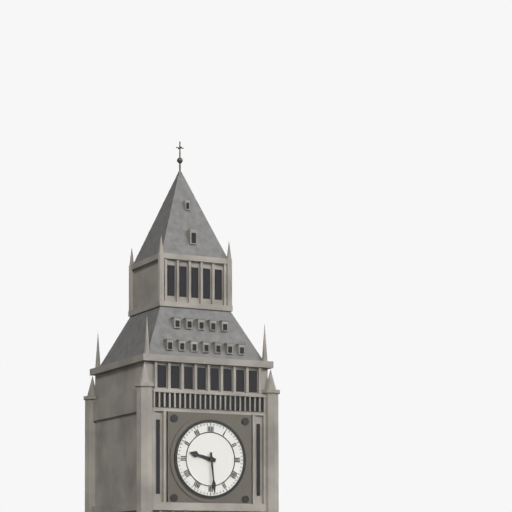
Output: 9.29
